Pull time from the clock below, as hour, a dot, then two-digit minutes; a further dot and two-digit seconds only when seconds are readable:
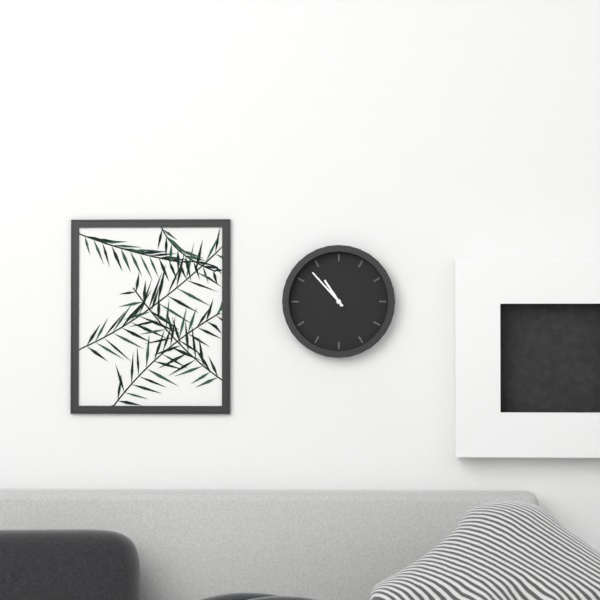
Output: 10.53
